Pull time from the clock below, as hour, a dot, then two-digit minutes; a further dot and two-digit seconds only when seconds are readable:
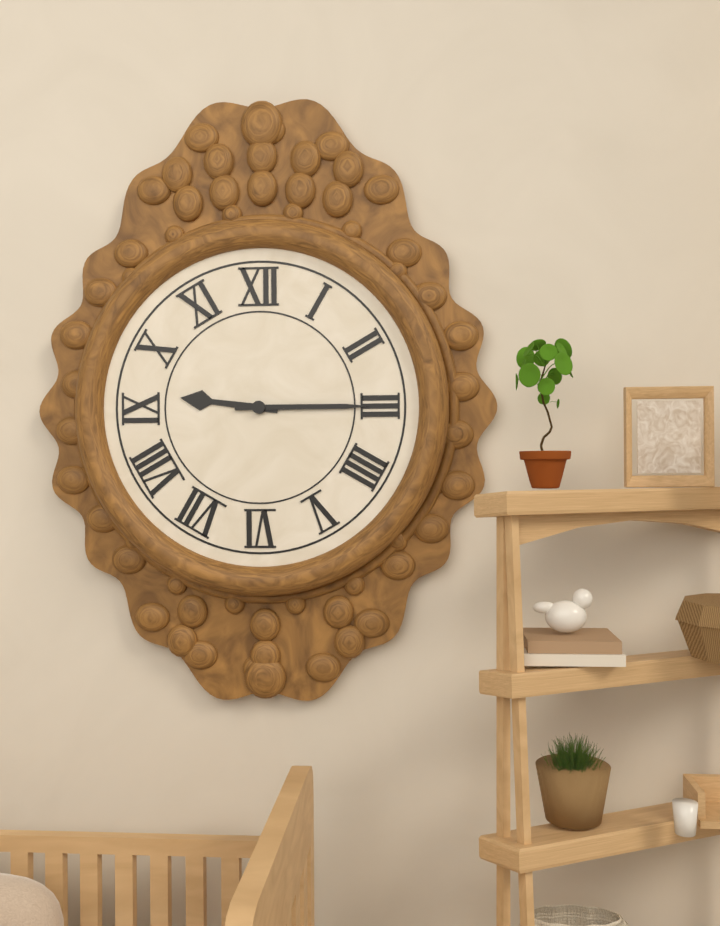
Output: 9.15
